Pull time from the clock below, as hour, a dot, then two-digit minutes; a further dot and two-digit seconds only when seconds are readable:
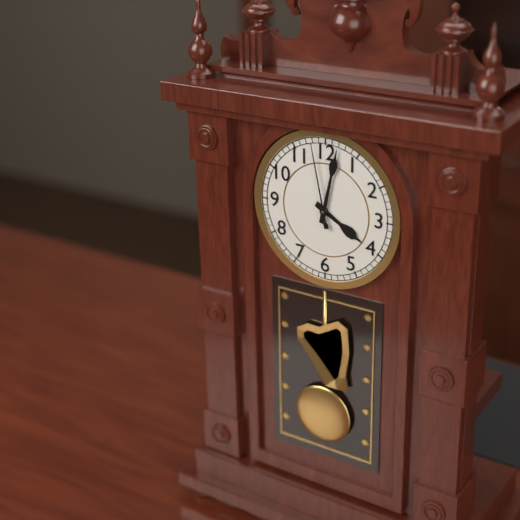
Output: 4.02.58
